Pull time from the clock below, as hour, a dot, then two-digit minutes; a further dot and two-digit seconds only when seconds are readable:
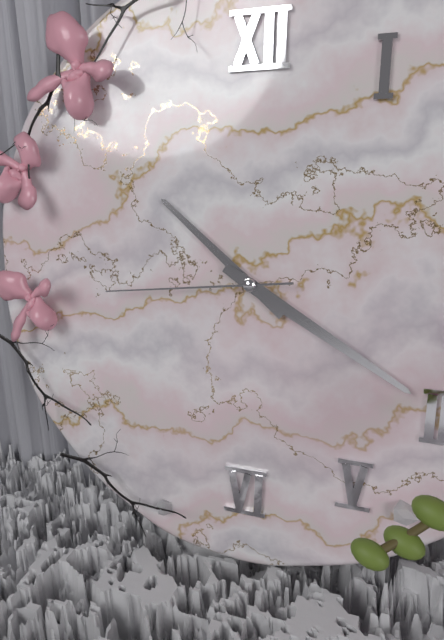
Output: 10.20.44
